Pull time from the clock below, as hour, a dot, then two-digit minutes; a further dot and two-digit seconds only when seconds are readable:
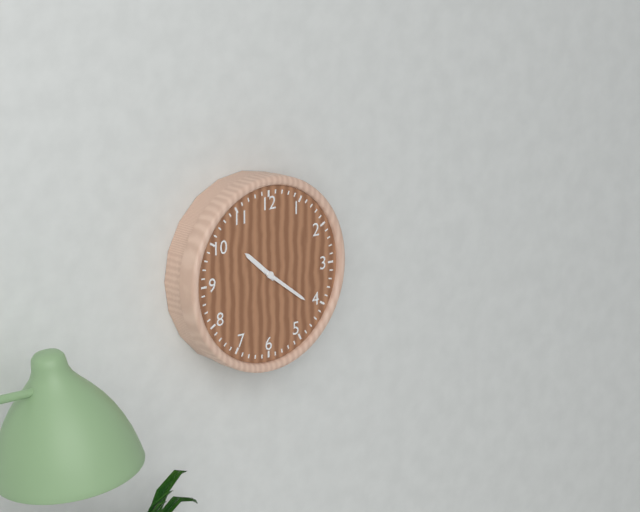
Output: 10.21
